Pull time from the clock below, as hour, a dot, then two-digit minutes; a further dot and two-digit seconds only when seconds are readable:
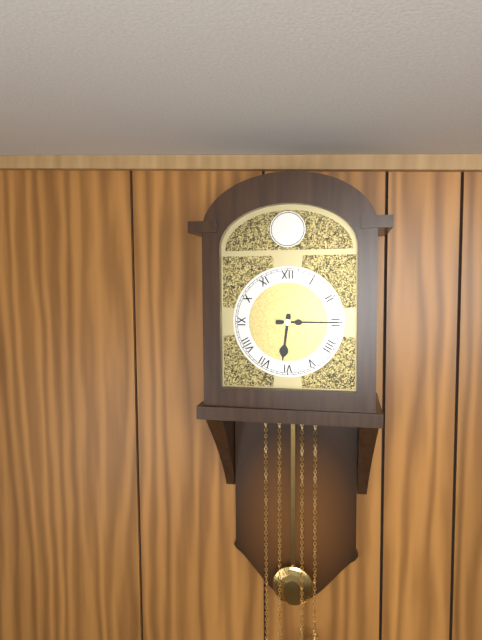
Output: 6.15
